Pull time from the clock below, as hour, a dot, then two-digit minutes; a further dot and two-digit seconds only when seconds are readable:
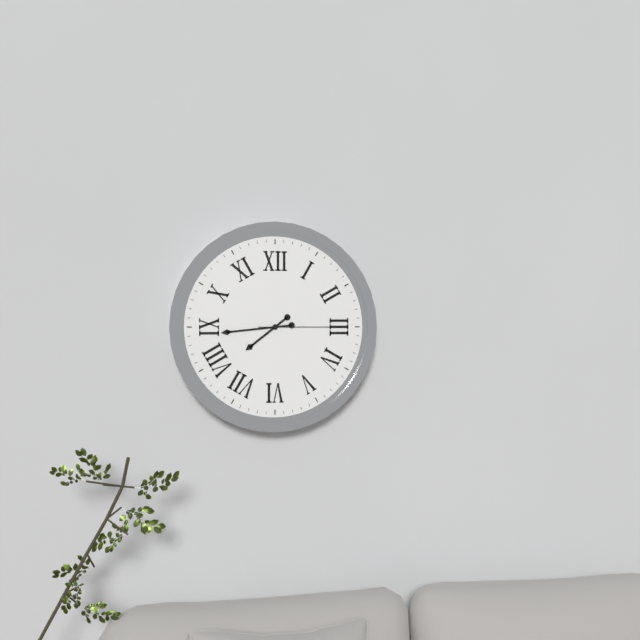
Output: 7.44.15
